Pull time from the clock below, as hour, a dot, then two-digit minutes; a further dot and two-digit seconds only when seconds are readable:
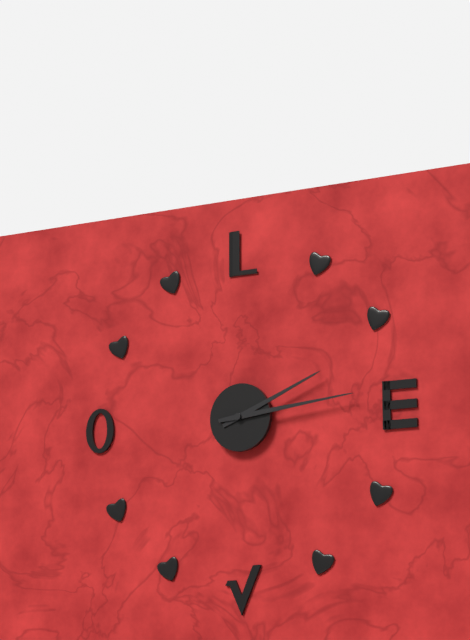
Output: 2.14
